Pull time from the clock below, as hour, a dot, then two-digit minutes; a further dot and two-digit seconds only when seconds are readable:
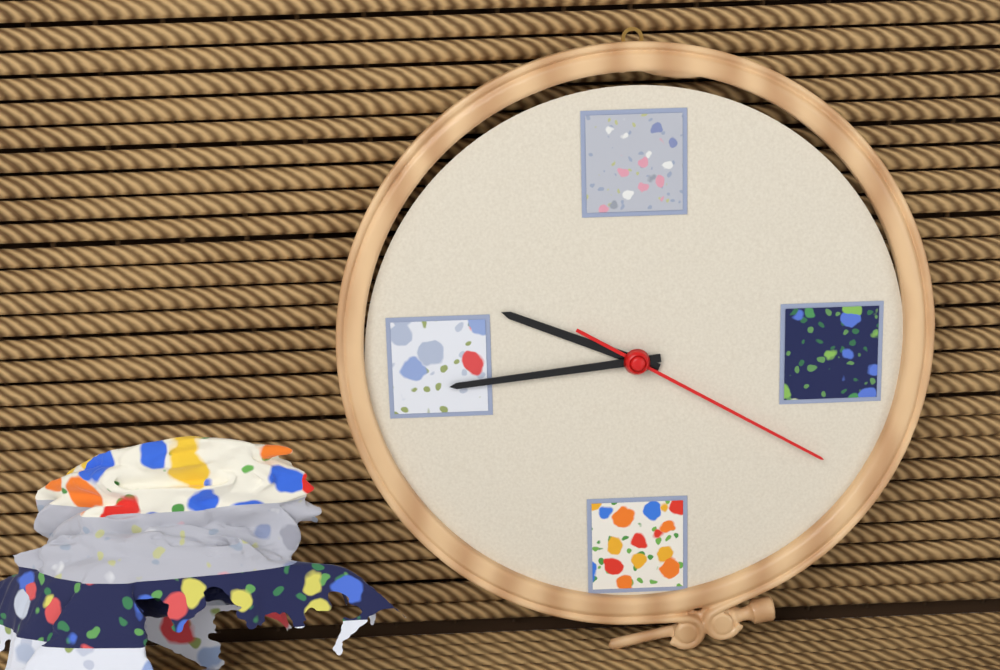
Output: 9.44.20
